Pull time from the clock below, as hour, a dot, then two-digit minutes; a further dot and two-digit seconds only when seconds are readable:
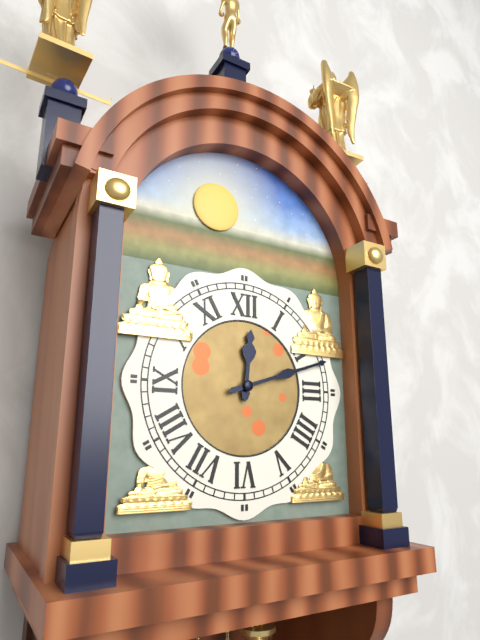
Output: 12.12
